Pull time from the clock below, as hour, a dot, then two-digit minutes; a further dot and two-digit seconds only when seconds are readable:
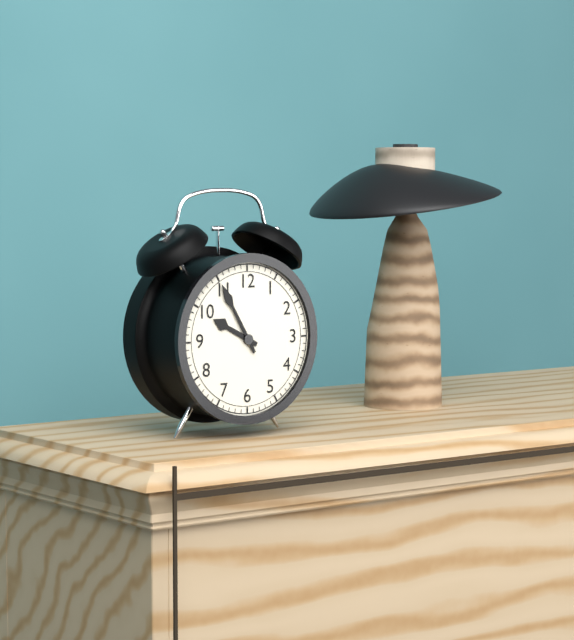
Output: 9.55
